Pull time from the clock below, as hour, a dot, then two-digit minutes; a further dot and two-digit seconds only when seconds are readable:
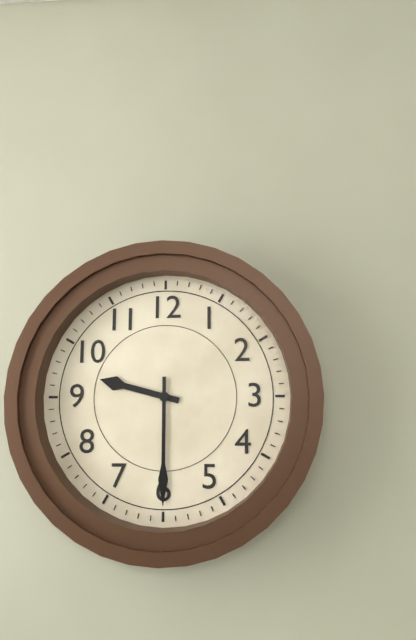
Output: 9.30
